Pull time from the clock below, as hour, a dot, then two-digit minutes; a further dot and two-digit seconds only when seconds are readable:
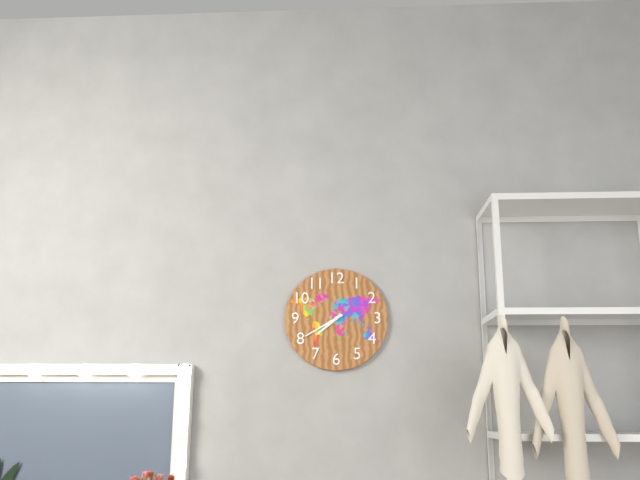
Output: 7.40
